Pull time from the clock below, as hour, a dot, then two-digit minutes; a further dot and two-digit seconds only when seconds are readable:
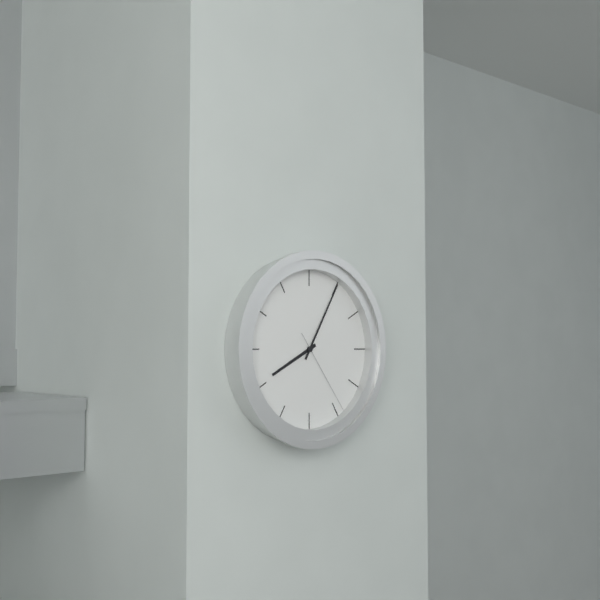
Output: 8.05.24
